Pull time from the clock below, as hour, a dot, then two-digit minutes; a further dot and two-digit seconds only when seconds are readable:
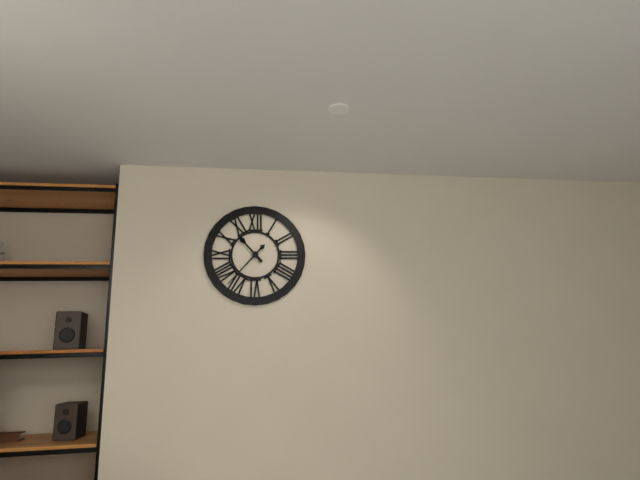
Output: 10.37
